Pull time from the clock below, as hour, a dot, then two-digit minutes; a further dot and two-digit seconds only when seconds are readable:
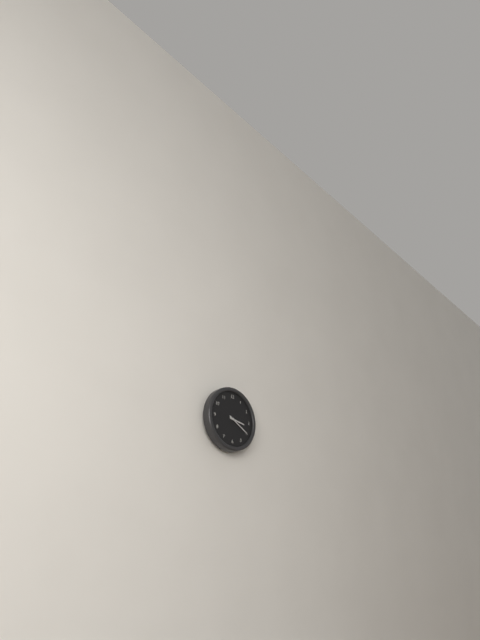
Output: 3.20
